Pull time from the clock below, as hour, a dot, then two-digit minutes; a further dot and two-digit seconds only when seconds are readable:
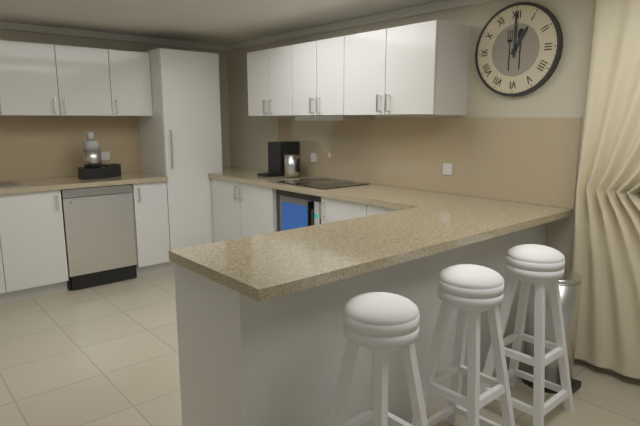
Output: 1.00
